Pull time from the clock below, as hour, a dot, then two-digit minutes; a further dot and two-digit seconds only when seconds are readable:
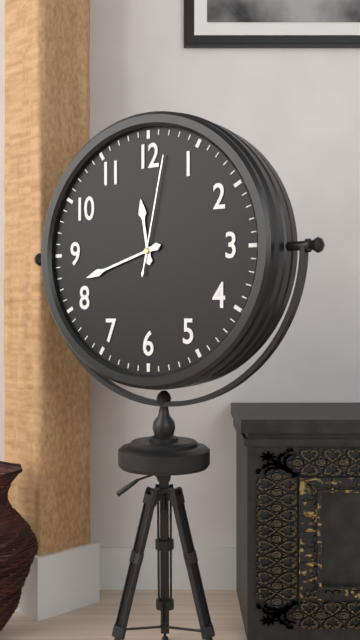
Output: 11.42.02
